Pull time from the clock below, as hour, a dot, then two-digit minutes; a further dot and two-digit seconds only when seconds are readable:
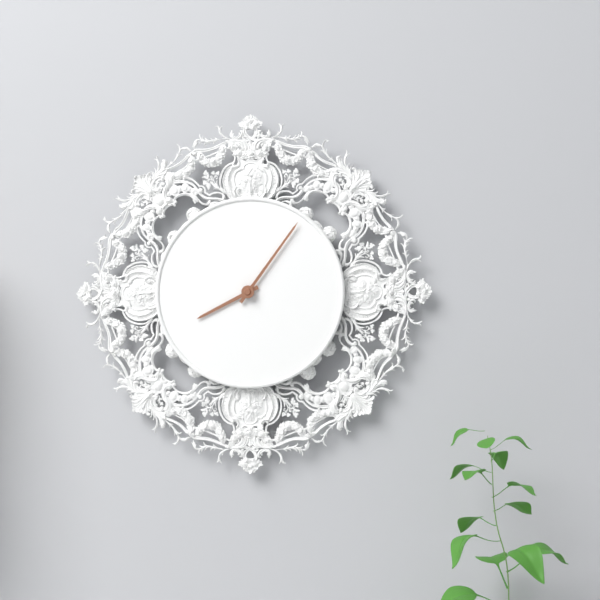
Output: 8.06
